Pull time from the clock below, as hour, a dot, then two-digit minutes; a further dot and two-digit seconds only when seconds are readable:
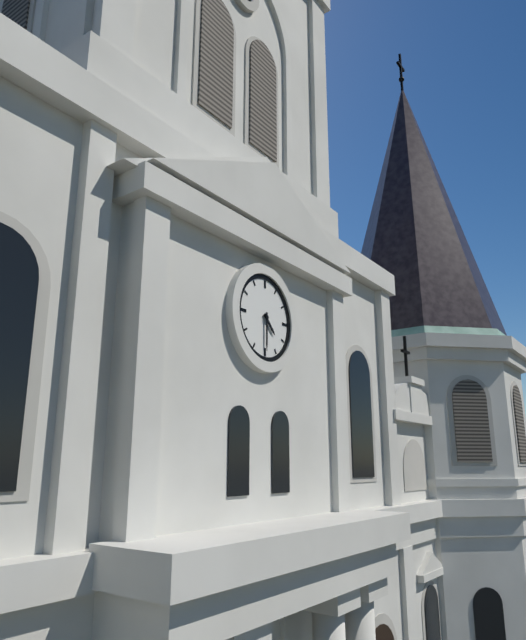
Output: 4.30
